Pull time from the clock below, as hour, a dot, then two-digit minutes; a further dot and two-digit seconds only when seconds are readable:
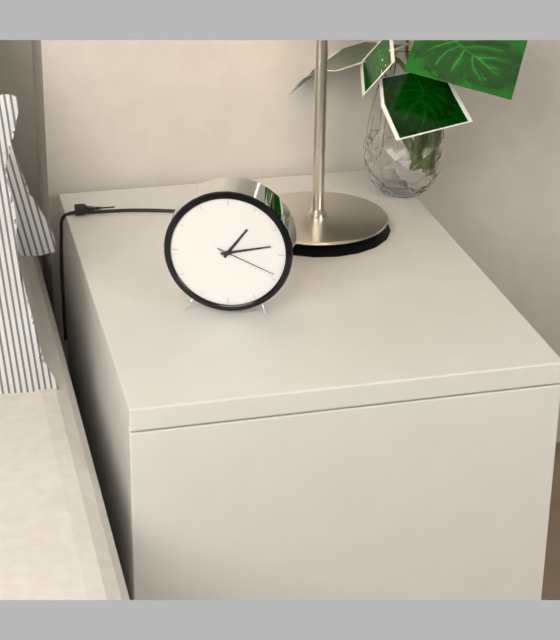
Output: 1.13.19
